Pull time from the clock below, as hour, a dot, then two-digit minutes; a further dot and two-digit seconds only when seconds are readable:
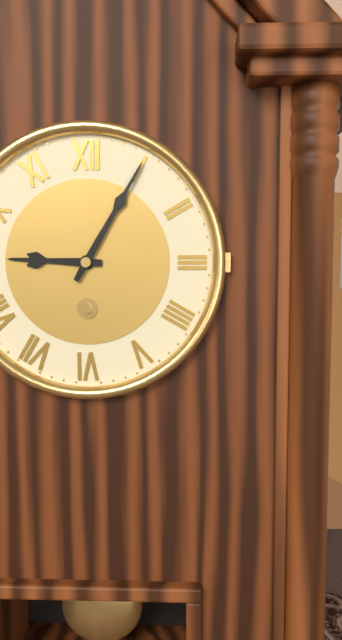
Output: 9.05
